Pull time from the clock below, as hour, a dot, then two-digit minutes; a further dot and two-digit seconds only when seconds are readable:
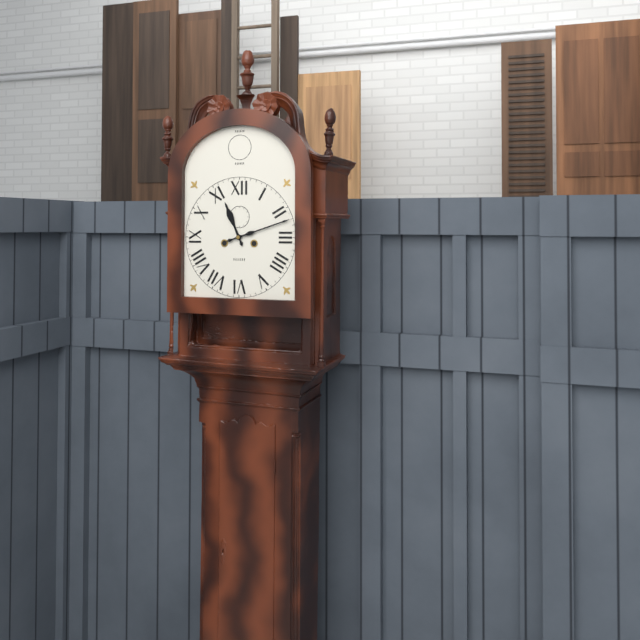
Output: 11.12
